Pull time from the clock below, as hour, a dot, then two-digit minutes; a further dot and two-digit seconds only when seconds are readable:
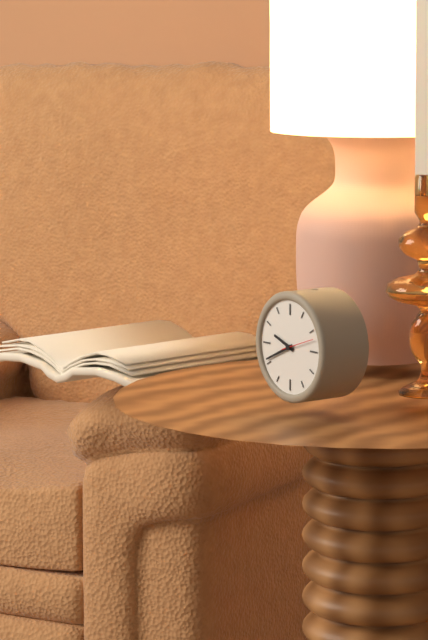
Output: 9.41
